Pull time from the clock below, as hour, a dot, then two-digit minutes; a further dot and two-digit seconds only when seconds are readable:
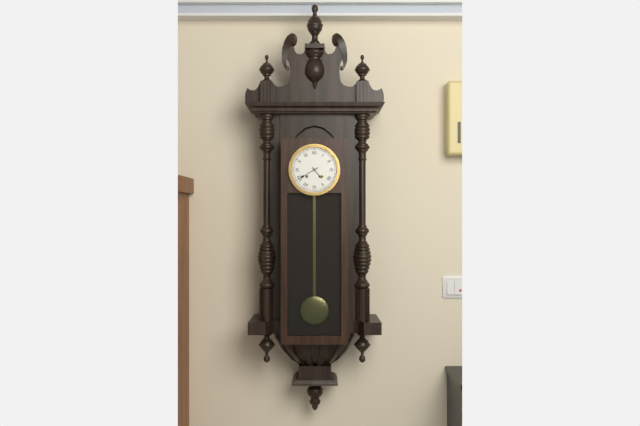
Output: 4.40
